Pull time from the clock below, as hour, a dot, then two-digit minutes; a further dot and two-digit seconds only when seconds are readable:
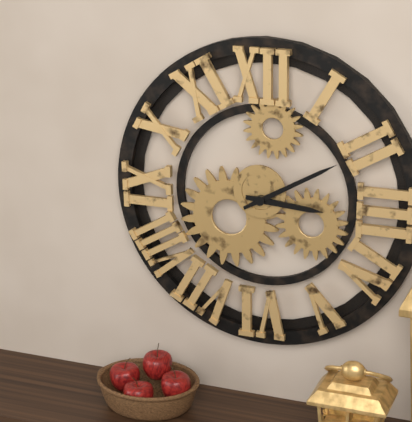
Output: 3.10
